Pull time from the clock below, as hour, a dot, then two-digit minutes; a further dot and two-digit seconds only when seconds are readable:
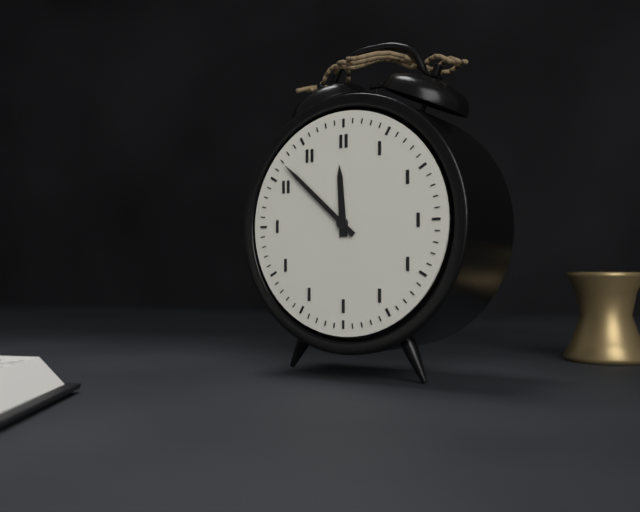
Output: 11.52
